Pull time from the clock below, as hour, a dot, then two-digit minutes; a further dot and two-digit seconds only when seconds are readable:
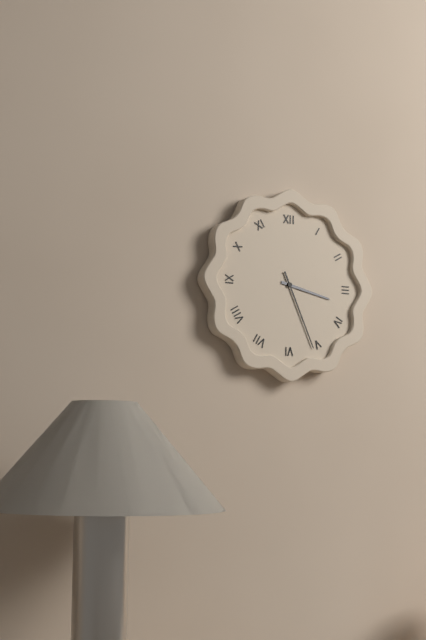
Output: 3.26
